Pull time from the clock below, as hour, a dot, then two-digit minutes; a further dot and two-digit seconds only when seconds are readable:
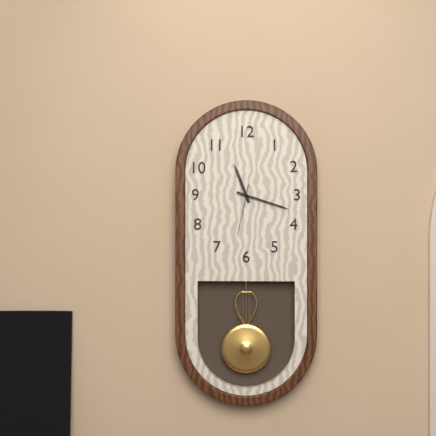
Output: 11.18.32
